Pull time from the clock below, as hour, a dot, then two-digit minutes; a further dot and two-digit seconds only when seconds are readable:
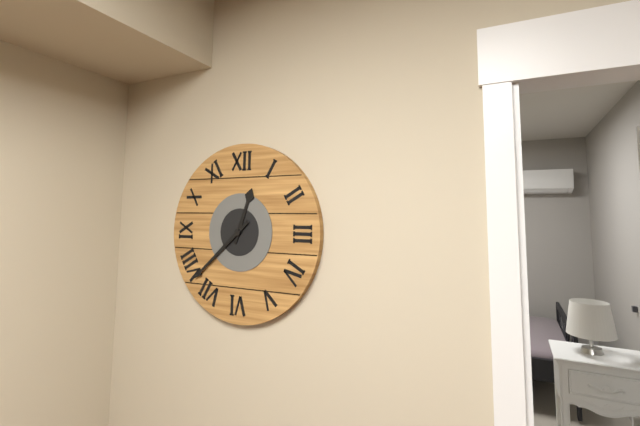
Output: 12.38
